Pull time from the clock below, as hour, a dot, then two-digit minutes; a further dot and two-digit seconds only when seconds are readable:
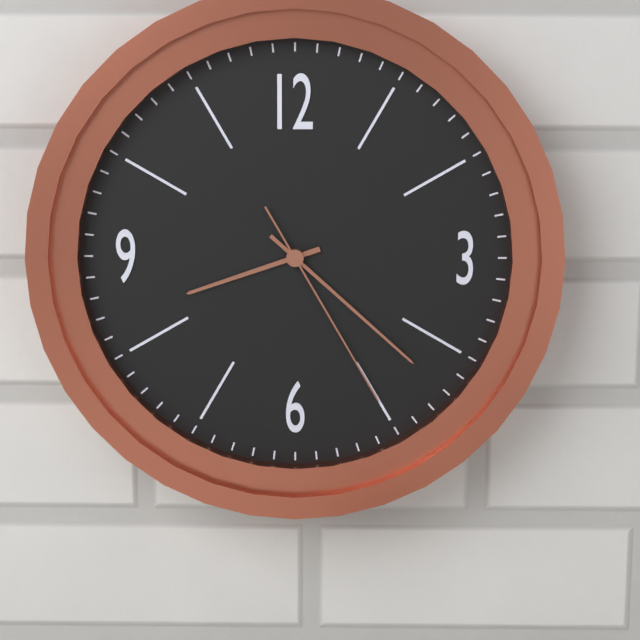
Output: 8.22.25
